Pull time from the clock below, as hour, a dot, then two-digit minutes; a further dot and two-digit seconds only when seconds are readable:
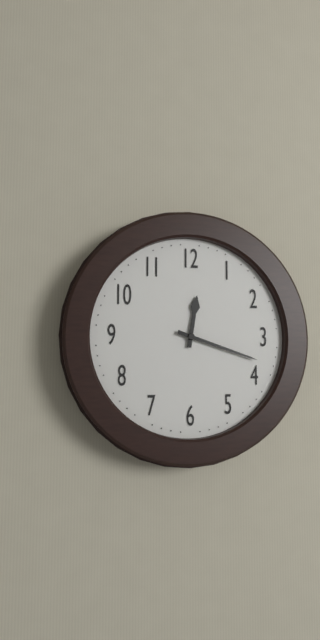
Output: 12.18
